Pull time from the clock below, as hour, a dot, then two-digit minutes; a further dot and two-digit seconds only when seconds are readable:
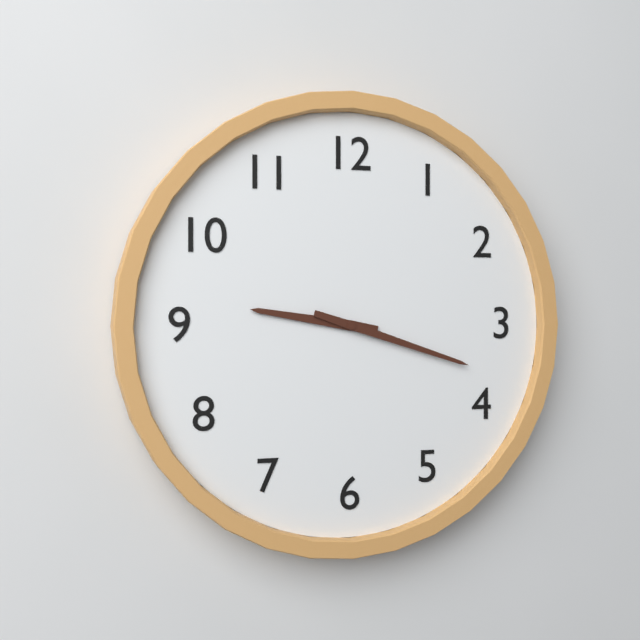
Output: 9.18
